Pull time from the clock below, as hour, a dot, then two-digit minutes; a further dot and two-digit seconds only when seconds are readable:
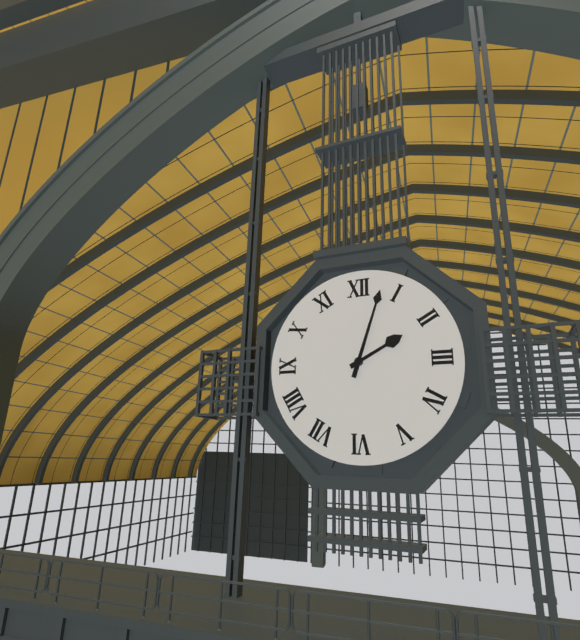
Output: 2.03
